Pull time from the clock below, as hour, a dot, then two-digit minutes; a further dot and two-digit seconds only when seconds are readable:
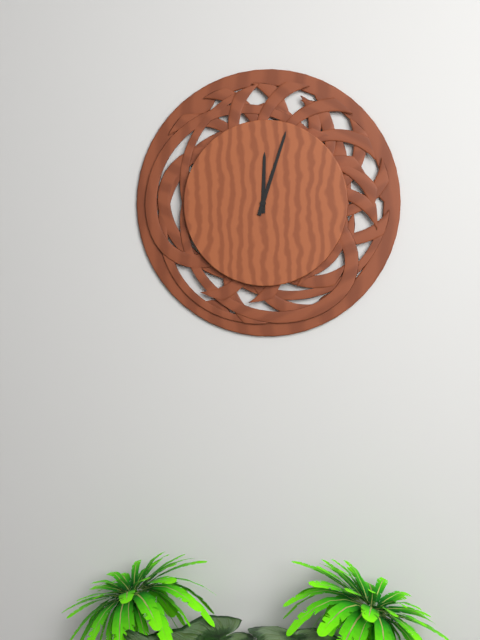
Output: 12.03
